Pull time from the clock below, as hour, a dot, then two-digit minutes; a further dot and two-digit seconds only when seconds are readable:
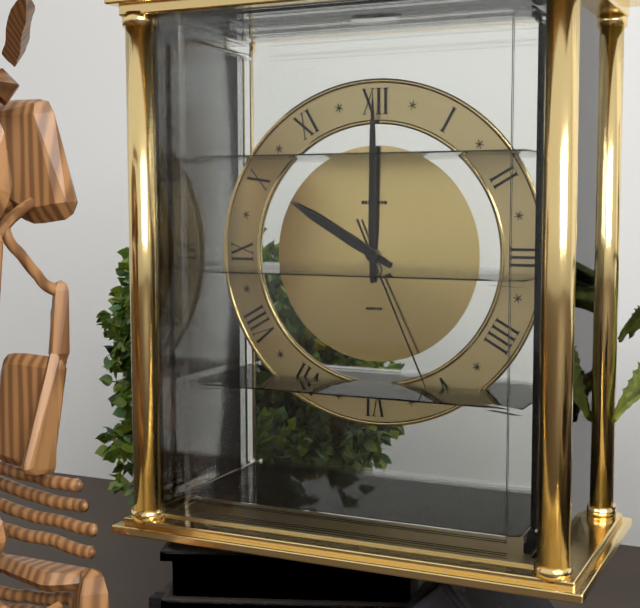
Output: 10.00.26
